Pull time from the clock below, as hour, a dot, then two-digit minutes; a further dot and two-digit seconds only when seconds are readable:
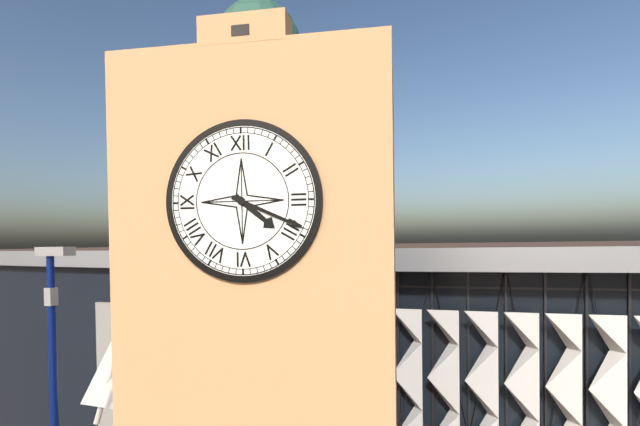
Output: 4.19
